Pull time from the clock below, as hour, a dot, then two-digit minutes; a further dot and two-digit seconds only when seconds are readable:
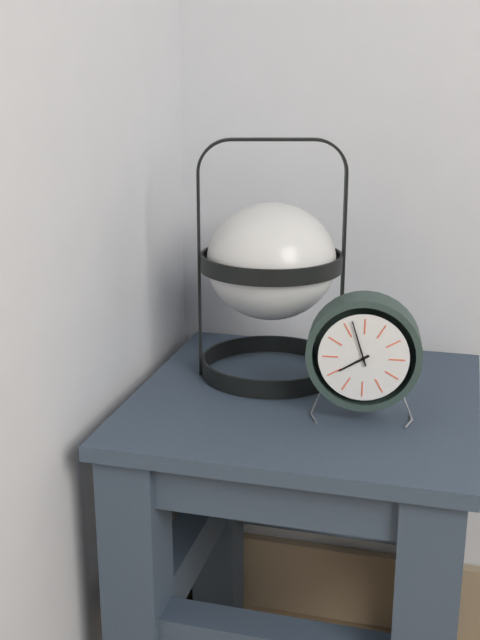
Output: 7.57
